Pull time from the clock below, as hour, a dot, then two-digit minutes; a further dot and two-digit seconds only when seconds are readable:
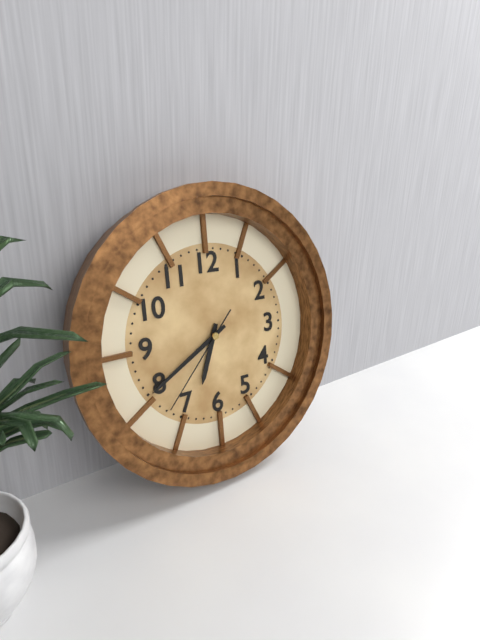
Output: 6.40.37
